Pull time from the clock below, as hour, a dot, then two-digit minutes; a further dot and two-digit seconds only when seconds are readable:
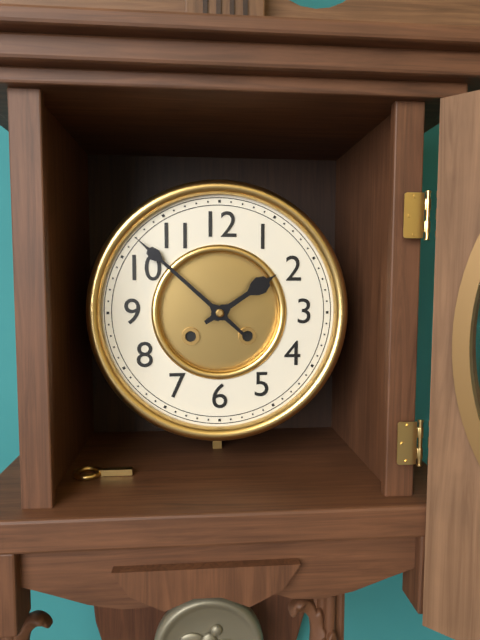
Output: 1.52
